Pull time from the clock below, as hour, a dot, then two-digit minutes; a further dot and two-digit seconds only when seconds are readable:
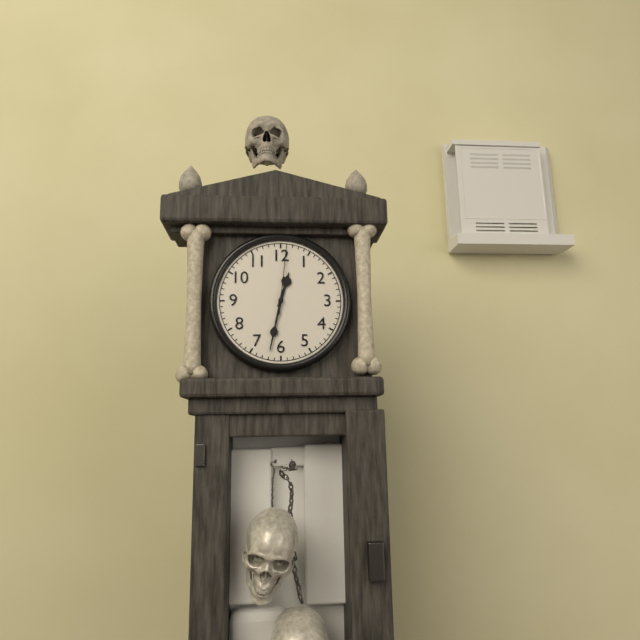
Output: 12.32.01
